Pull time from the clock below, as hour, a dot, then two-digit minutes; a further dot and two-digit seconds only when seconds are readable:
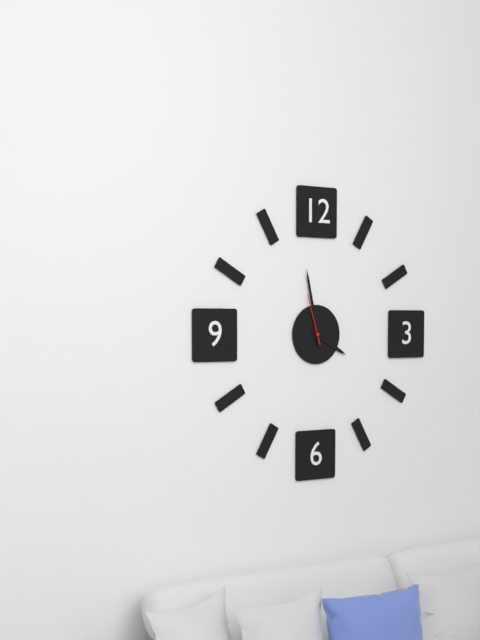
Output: 3.58.57
